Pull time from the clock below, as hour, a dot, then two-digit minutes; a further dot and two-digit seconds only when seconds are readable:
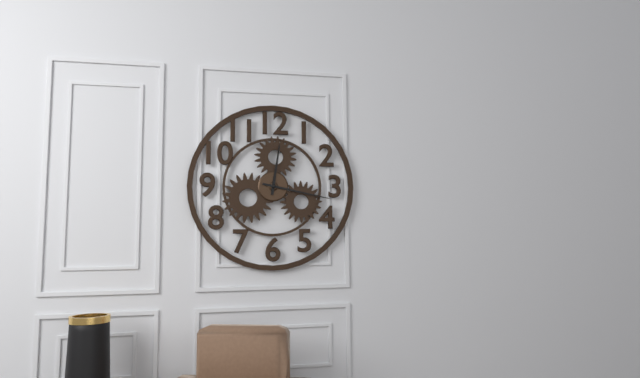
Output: 12.17
